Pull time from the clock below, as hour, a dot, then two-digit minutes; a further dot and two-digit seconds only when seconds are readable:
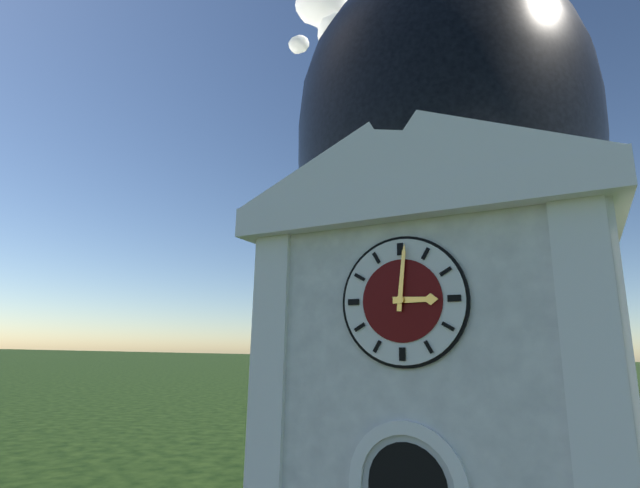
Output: 3.01
